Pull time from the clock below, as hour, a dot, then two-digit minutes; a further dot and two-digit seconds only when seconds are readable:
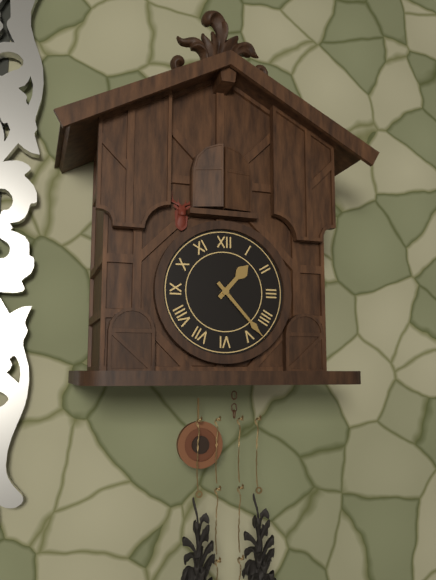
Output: 1.23
